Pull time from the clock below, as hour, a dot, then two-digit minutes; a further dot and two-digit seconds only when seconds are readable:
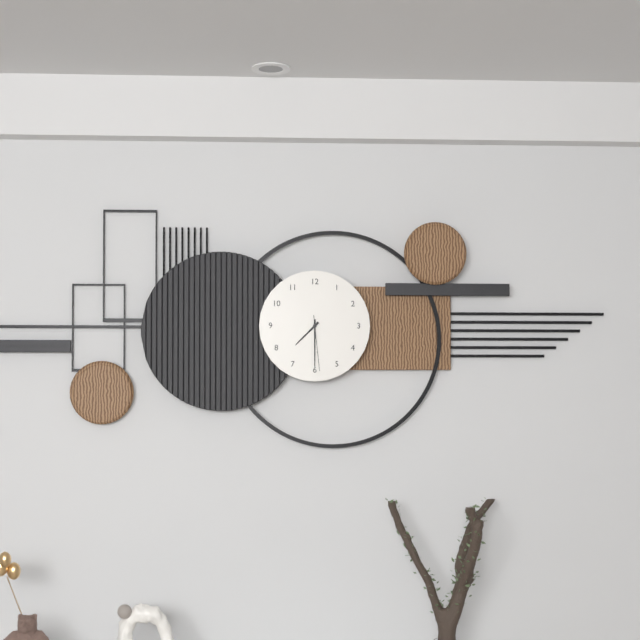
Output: 7.30.29
